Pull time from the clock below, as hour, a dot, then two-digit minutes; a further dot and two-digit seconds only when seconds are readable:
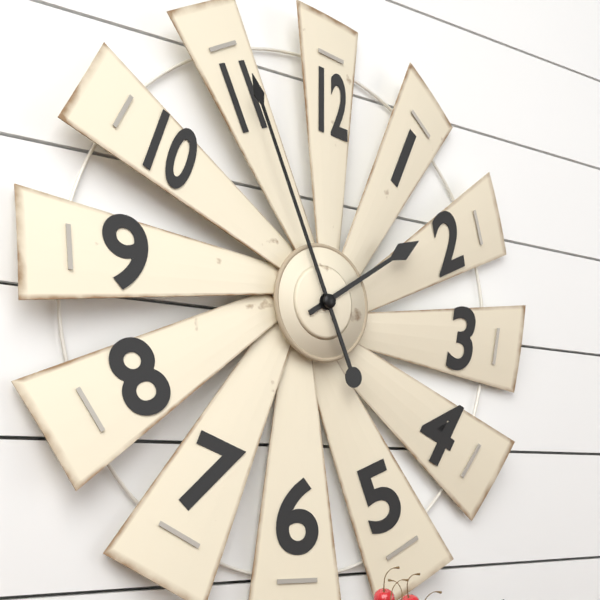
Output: 1.56
